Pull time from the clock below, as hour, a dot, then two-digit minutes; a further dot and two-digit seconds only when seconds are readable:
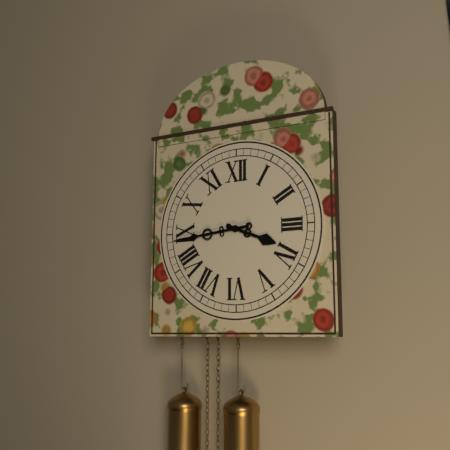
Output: 3.44
